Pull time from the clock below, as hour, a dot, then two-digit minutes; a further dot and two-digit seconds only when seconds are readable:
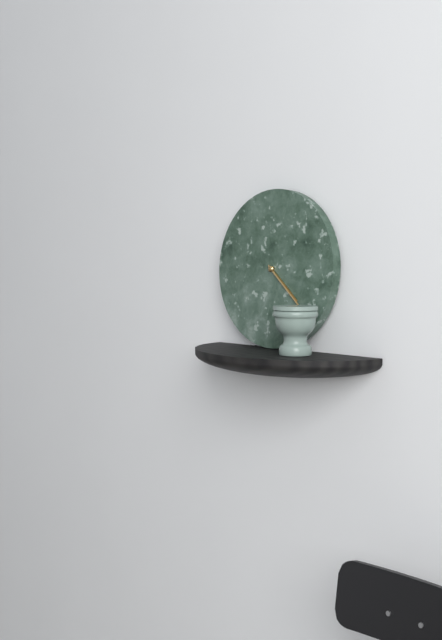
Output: 4.22
